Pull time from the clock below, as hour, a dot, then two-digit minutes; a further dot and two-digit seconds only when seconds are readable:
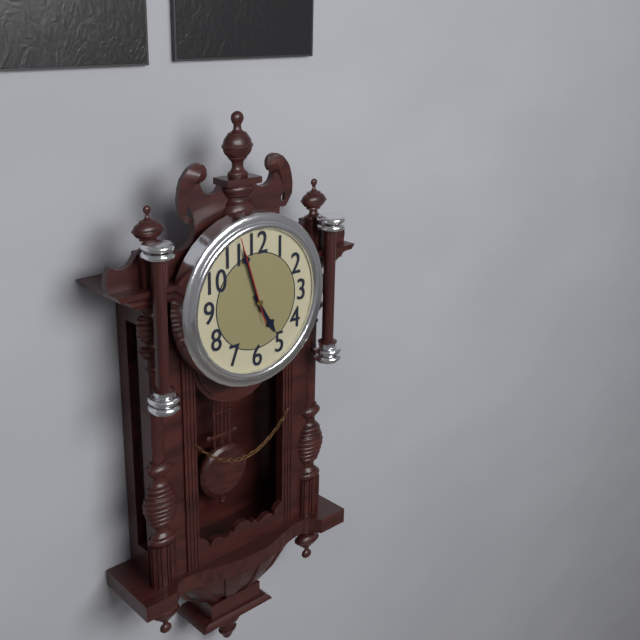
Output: 4.57.57
